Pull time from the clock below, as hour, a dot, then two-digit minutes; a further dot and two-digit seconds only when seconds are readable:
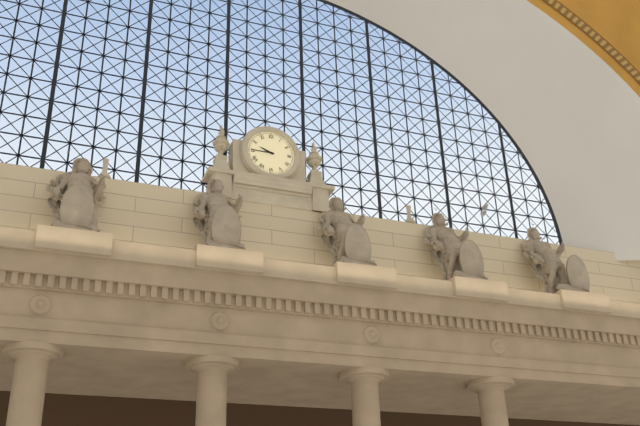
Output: 9.45
